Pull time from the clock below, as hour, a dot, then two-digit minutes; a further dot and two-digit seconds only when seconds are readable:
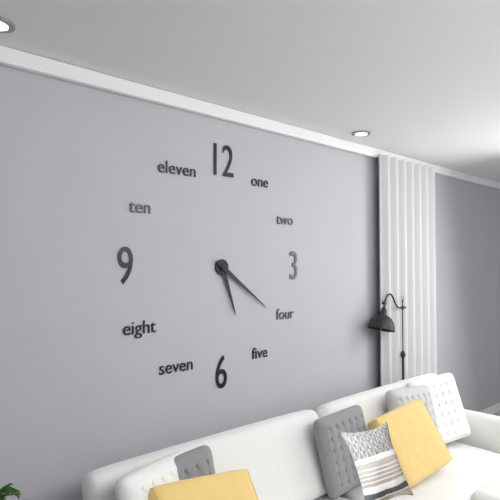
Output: 5.21
